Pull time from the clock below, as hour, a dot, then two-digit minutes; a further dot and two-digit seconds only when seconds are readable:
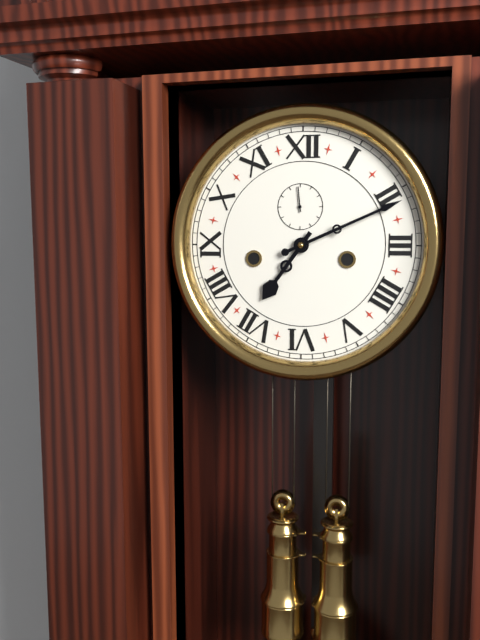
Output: 7.11
